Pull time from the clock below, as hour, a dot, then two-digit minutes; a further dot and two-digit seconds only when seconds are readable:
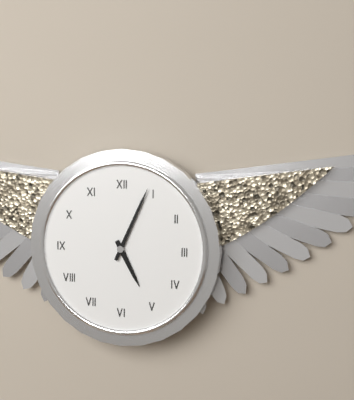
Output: 5.04
